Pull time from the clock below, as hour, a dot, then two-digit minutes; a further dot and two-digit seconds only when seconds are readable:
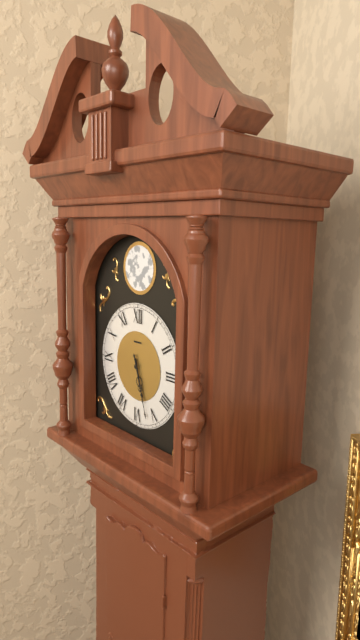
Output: 5.27
